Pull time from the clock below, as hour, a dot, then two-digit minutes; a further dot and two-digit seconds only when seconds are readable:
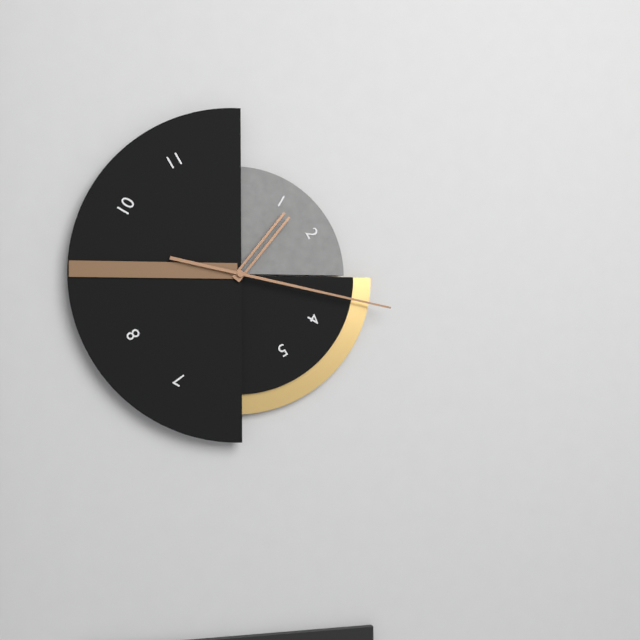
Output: 1.17
